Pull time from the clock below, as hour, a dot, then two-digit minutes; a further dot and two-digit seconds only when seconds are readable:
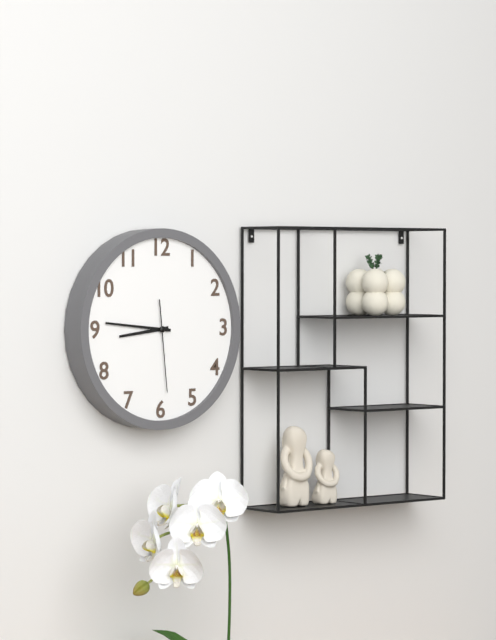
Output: 8.46.29
